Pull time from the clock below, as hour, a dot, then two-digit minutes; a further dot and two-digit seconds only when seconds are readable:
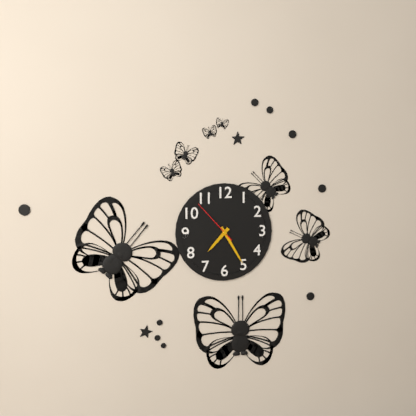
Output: 7.25
